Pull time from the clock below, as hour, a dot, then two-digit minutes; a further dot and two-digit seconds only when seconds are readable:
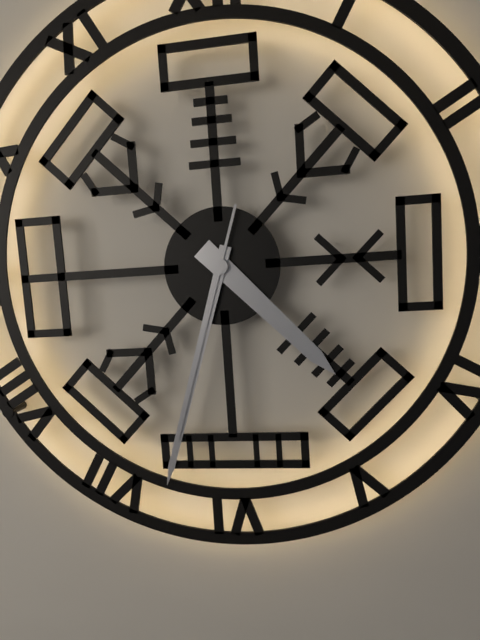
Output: 4.33.33
